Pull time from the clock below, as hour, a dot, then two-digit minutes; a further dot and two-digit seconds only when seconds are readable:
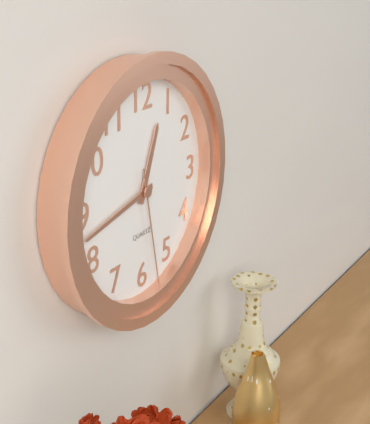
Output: 12.43.28
